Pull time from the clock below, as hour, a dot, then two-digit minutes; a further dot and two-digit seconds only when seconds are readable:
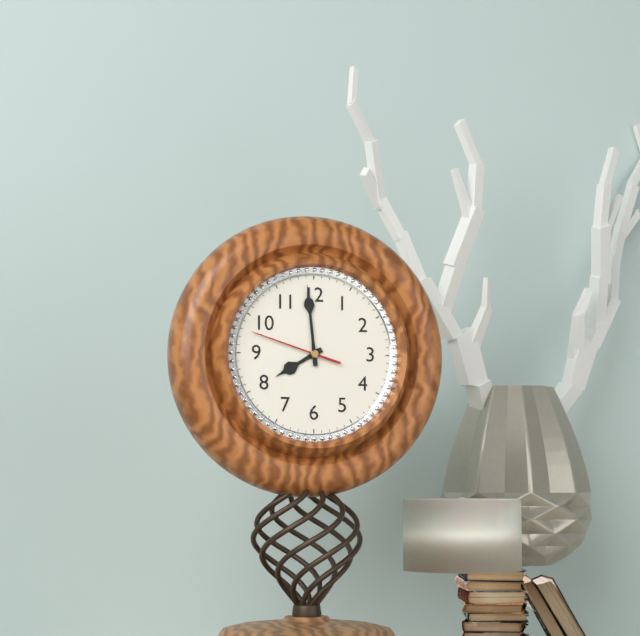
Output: 7.59.48
